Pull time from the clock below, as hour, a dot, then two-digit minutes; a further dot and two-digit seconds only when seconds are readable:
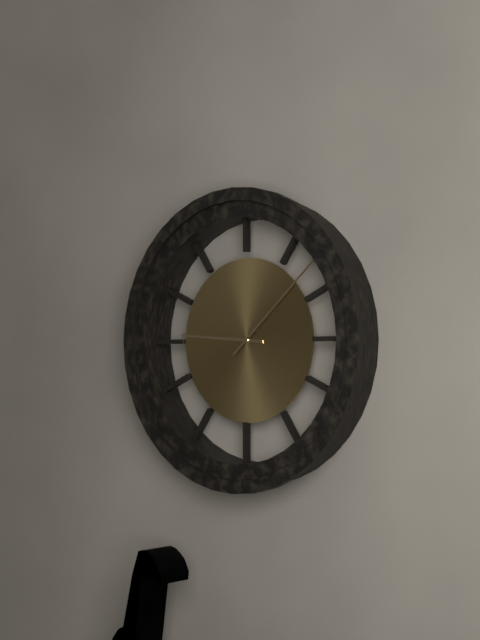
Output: 9.08
